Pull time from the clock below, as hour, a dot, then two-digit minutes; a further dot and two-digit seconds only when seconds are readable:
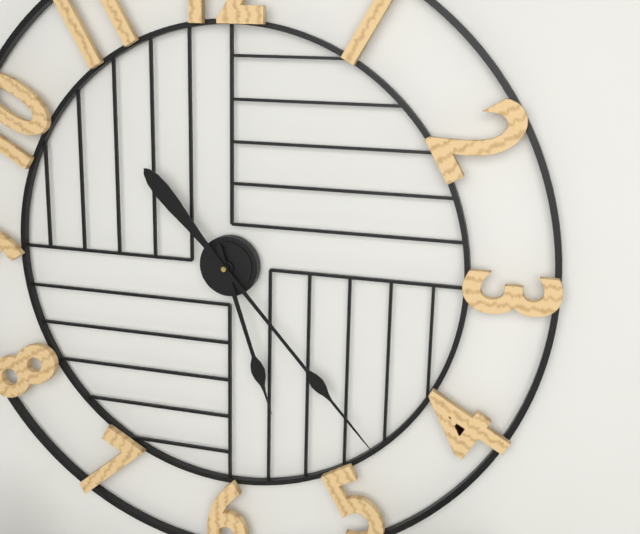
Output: 5.23
